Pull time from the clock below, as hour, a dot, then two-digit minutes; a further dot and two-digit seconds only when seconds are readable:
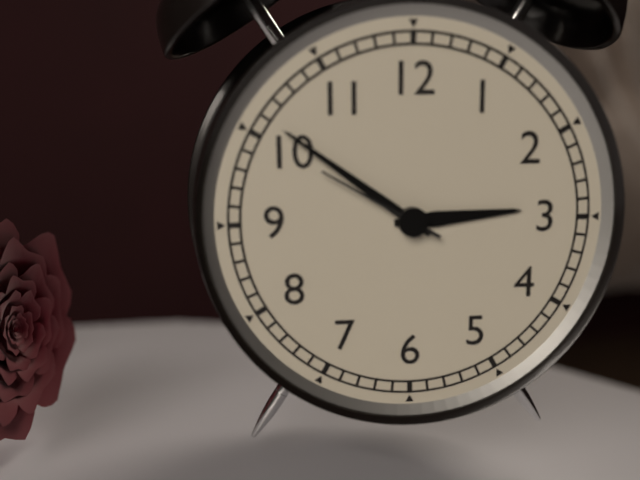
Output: 2.51.50
